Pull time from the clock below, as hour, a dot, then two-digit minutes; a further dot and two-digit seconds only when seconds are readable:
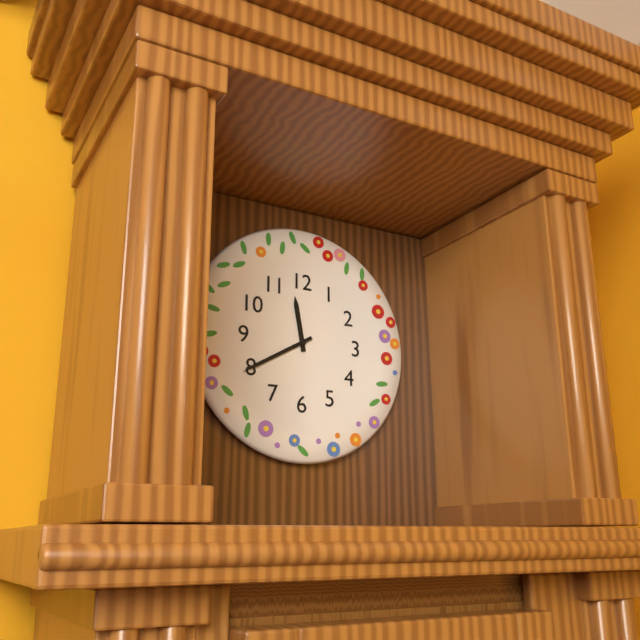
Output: 11.40
